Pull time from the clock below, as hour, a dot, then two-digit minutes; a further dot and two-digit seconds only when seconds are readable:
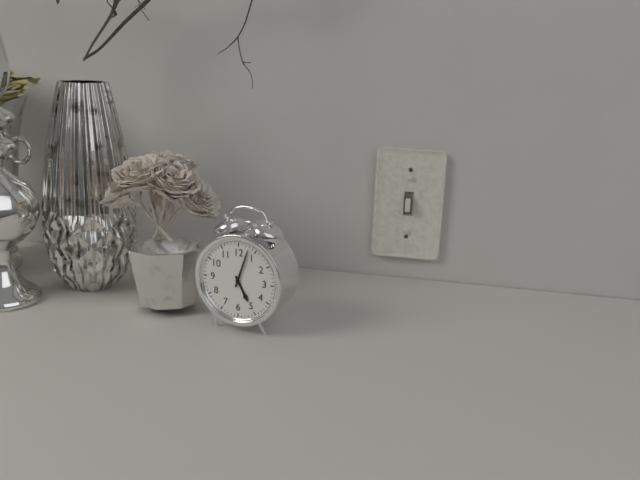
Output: 5.03
